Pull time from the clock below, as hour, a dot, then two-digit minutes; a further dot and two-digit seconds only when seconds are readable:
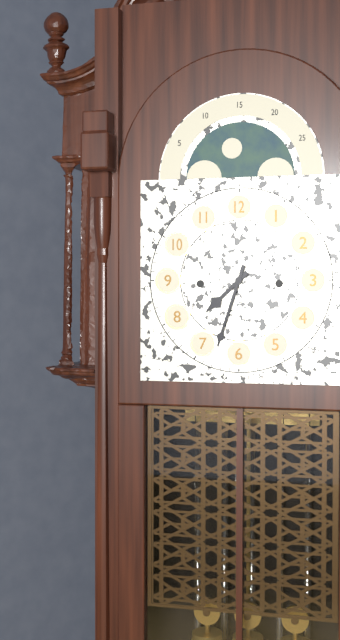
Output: 7.33
